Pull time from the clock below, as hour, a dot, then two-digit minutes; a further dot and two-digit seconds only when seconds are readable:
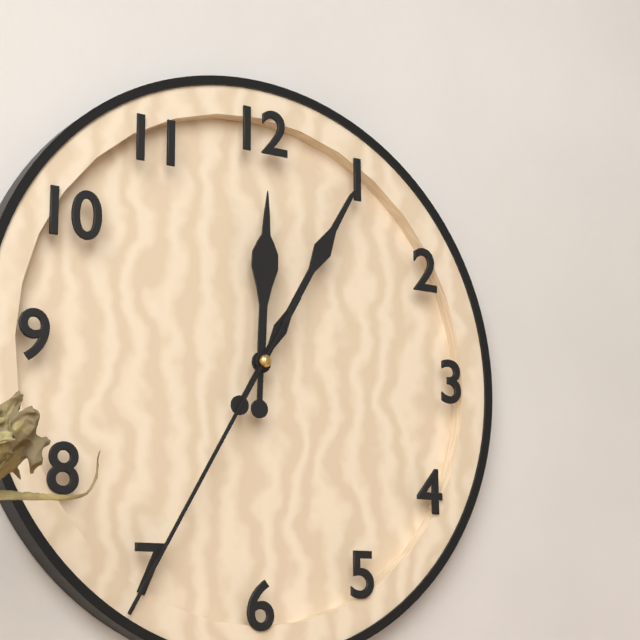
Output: 12.05.35
